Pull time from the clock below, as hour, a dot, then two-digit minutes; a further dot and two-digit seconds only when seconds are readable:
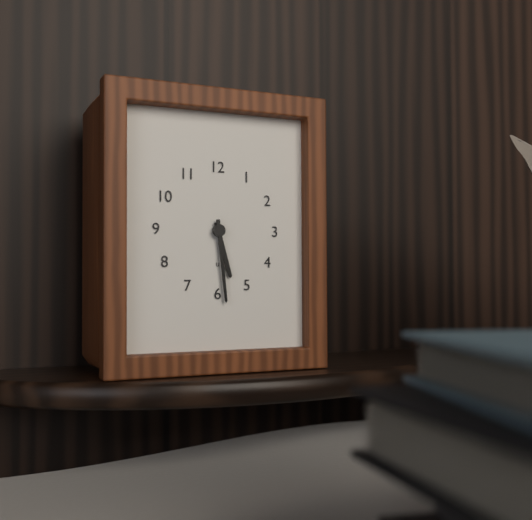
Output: 5.29
